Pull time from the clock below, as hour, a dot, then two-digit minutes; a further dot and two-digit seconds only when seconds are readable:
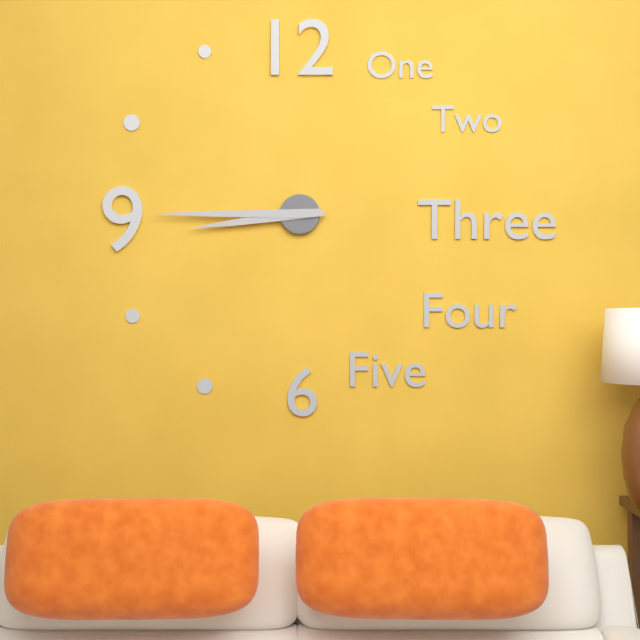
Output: 8.45
